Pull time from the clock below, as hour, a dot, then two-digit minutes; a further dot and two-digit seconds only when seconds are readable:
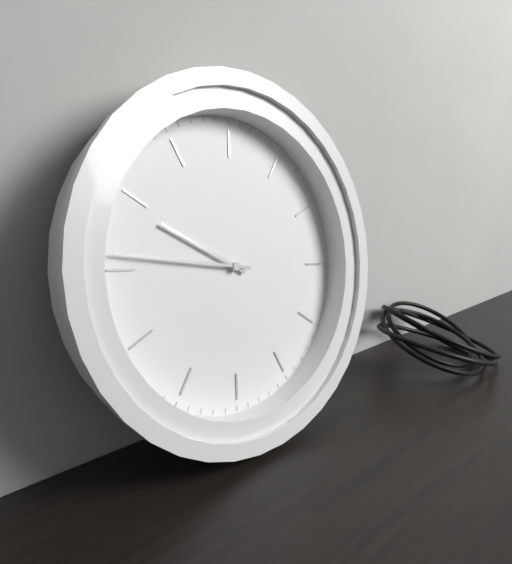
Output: 10.51
